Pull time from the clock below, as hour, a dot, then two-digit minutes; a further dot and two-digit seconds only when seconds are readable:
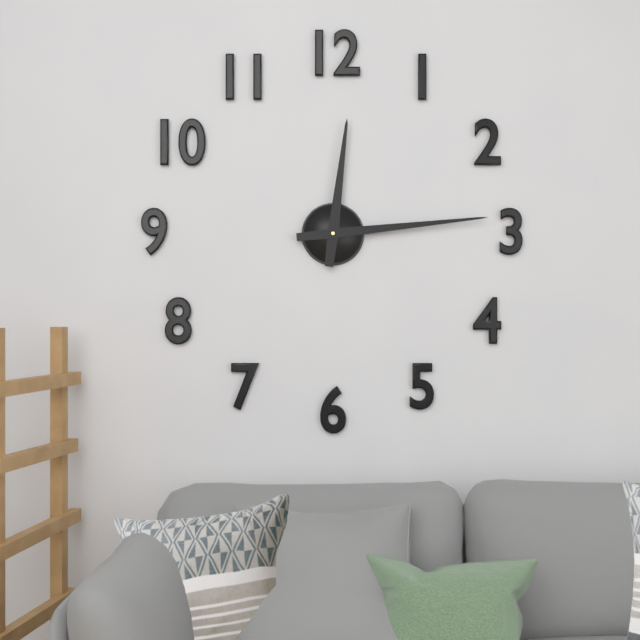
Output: 12.14
